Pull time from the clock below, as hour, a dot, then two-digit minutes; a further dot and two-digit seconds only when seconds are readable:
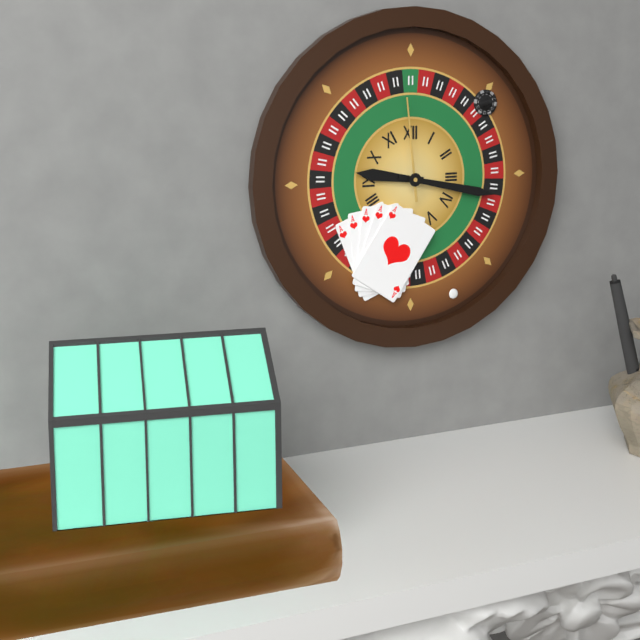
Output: 9.17.59
